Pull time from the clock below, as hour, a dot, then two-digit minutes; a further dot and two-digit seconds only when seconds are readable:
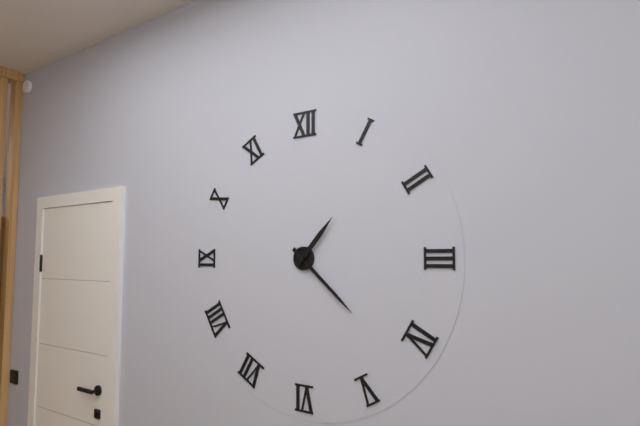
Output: 1.22
